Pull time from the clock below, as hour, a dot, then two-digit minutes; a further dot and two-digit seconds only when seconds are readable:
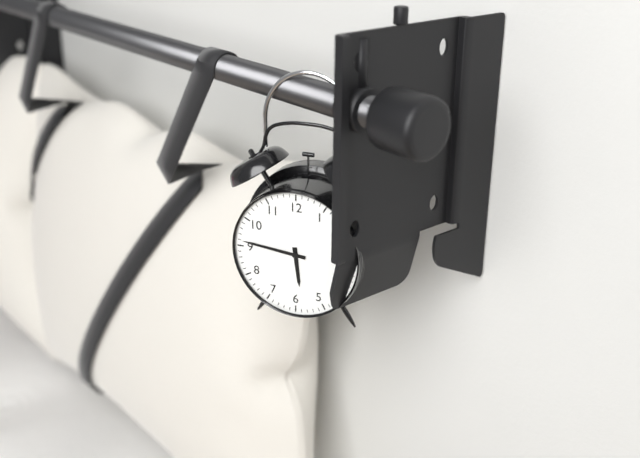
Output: 5.46
